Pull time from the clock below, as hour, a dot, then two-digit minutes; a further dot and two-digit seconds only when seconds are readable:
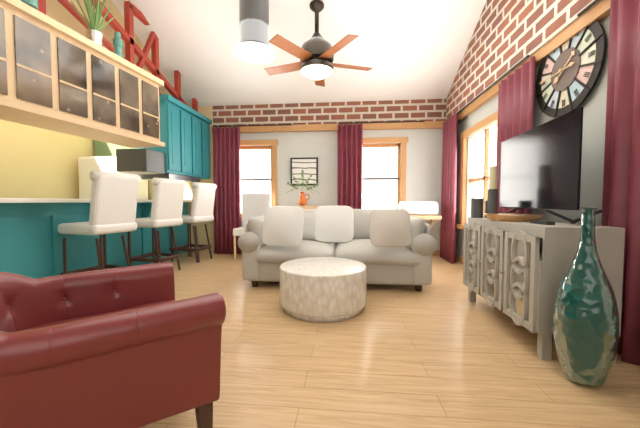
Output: 1.45
